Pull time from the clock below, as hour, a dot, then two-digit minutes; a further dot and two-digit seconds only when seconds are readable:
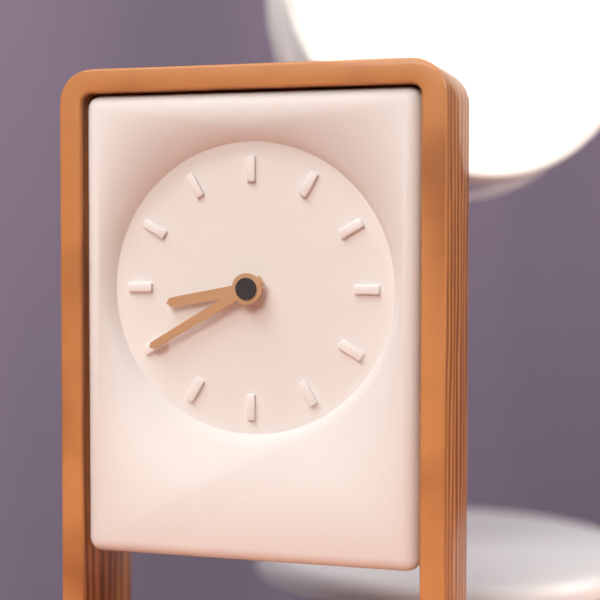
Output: 8.40
